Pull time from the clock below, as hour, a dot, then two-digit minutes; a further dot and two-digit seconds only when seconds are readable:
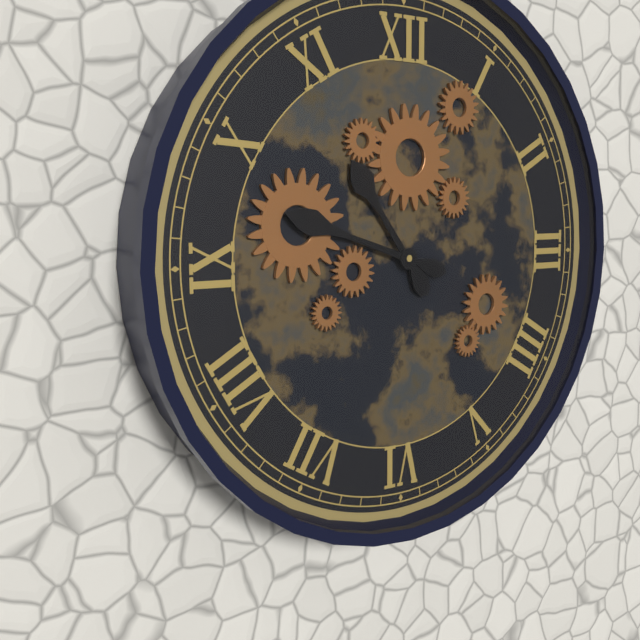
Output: 10.48
